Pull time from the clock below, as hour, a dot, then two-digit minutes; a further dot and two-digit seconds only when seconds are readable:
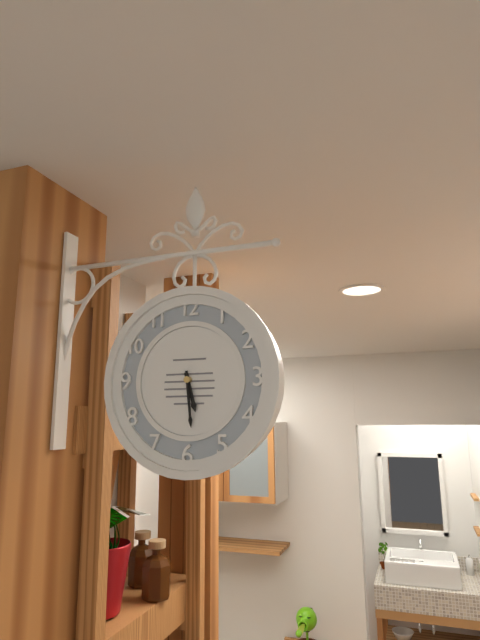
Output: 5.29
